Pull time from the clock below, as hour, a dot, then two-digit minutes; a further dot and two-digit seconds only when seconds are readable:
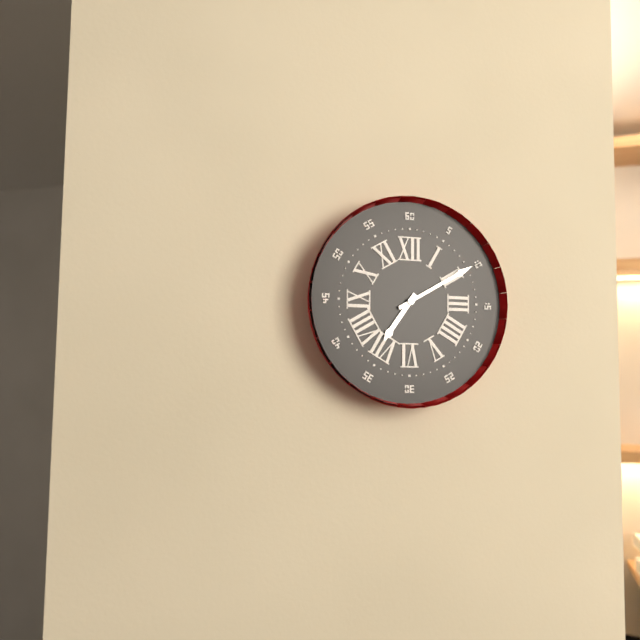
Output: 7.10
